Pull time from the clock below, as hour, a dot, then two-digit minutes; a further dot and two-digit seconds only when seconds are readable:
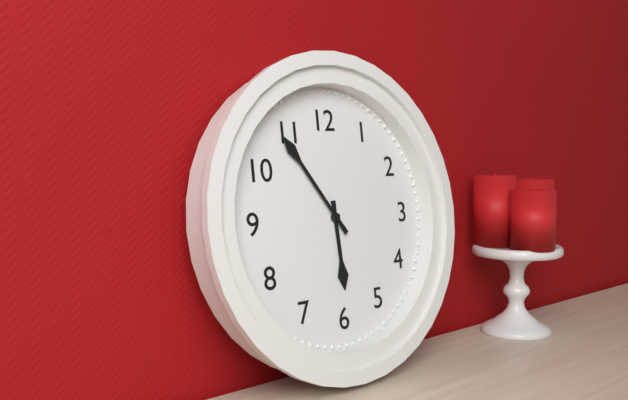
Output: 5.54
